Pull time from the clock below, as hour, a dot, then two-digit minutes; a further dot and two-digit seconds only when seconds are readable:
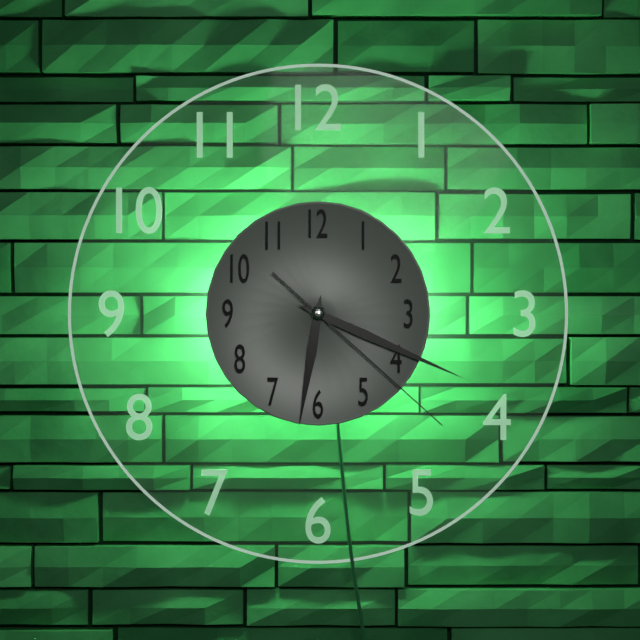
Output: 6.19.22
